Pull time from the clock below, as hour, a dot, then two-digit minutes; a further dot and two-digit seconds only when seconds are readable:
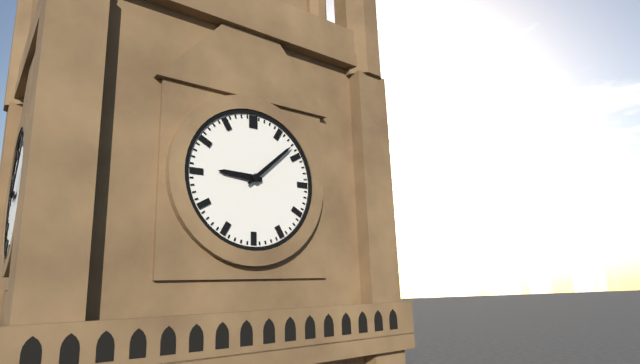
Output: 9.08
